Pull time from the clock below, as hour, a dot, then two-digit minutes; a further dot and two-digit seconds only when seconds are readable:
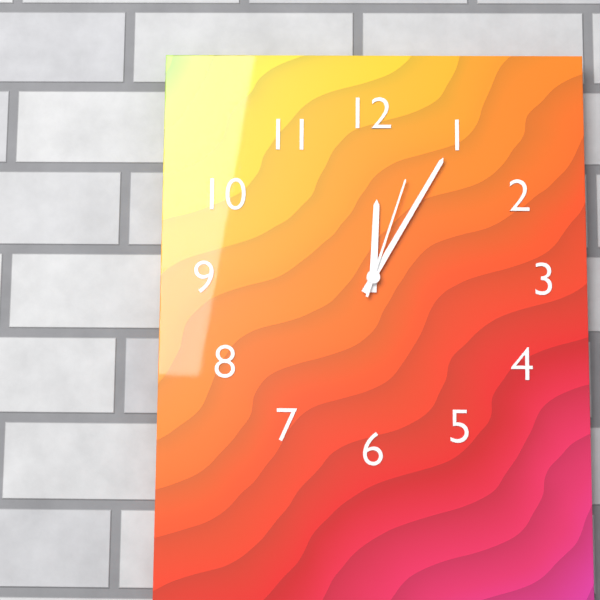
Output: 12.05.03
